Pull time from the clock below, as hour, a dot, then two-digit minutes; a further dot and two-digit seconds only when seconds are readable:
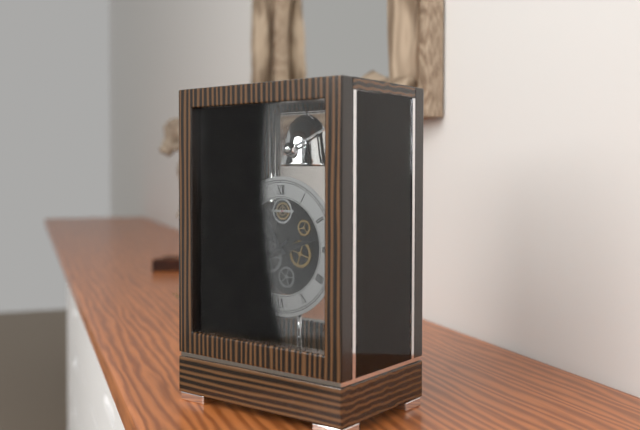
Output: 10.40
